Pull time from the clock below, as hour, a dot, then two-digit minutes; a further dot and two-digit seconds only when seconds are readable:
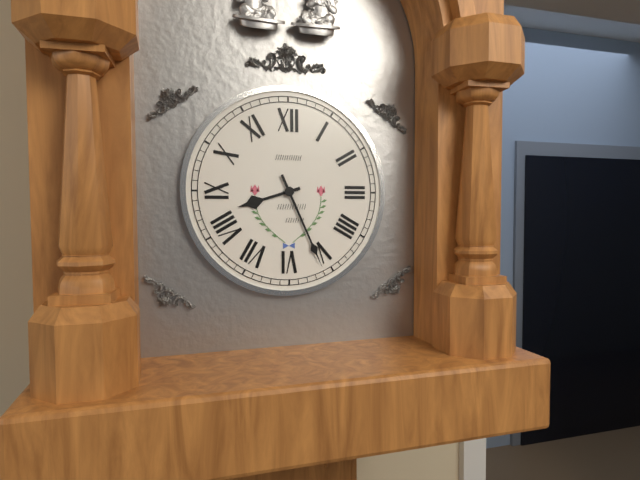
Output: 8.26
